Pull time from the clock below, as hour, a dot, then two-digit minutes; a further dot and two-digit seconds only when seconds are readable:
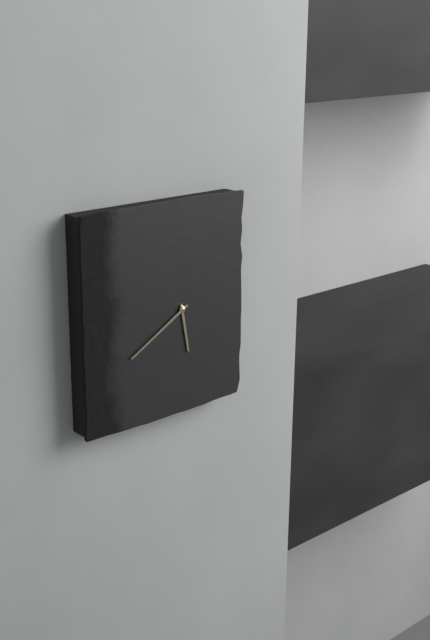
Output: 5.40
